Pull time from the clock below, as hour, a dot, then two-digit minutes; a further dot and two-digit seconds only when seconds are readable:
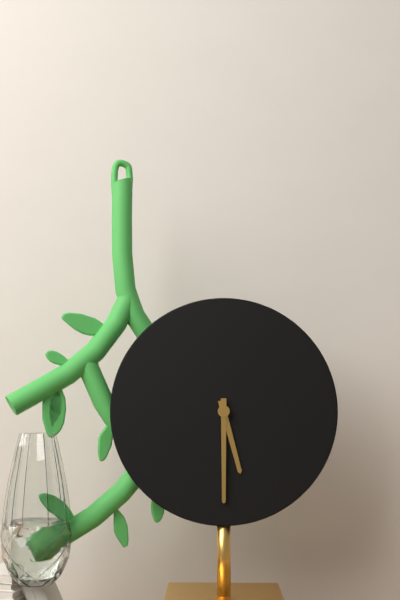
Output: 5.30
